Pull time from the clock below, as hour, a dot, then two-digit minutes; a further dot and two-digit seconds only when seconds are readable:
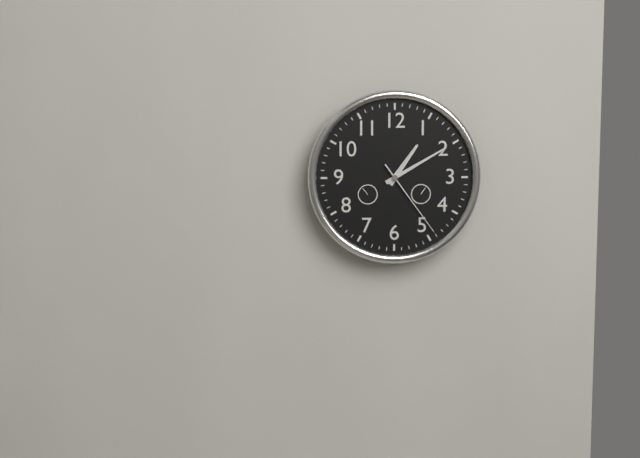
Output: 1.10.24
